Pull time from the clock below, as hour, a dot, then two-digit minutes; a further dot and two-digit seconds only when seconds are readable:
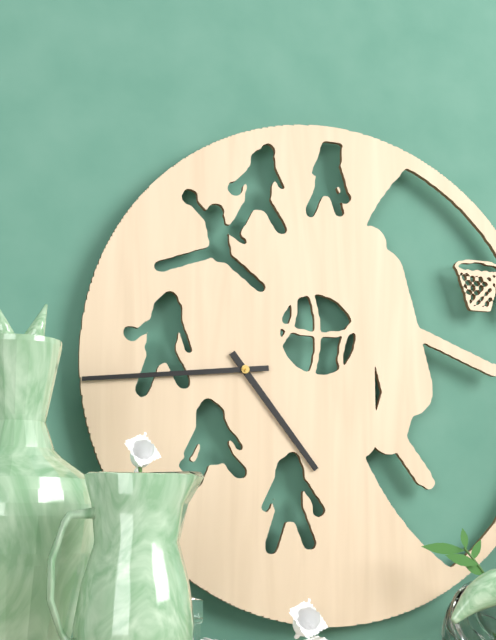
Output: 4.44
